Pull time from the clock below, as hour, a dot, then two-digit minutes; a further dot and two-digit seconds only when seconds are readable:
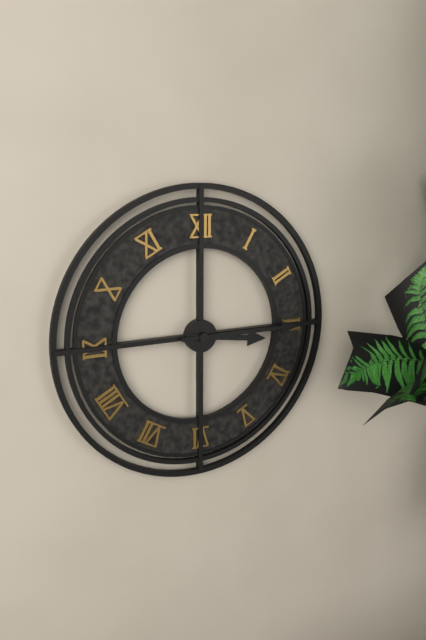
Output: 3.15
